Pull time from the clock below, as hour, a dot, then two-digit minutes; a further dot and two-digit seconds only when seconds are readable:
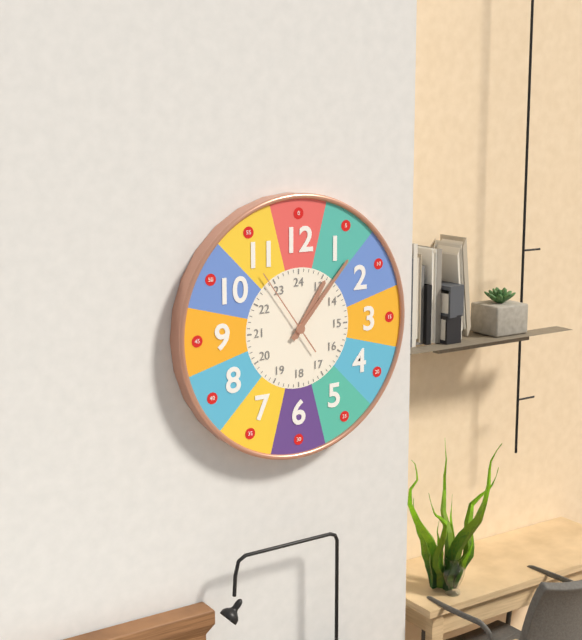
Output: 1.07.54
